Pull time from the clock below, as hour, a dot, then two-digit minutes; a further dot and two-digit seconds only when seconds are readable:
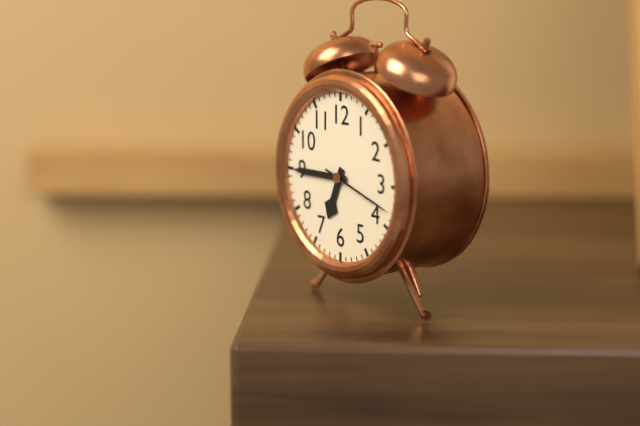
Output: 6.45.18
